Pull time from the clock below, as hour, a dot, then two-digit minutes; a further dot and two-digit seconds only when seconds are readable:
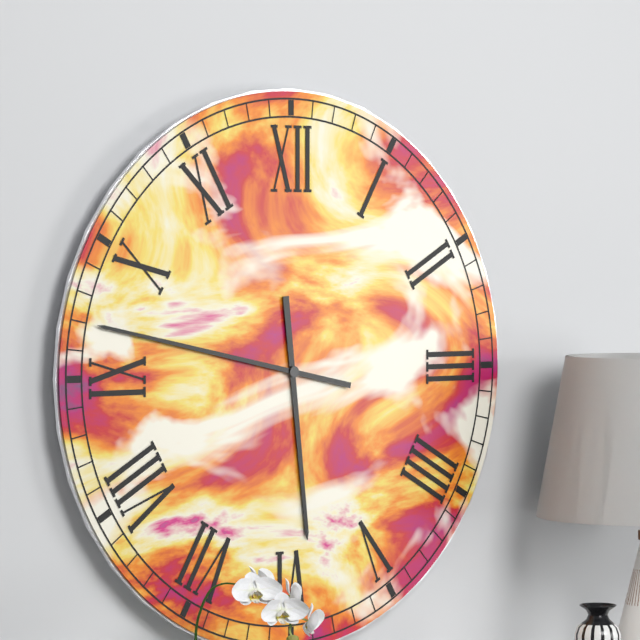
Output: 5.47
